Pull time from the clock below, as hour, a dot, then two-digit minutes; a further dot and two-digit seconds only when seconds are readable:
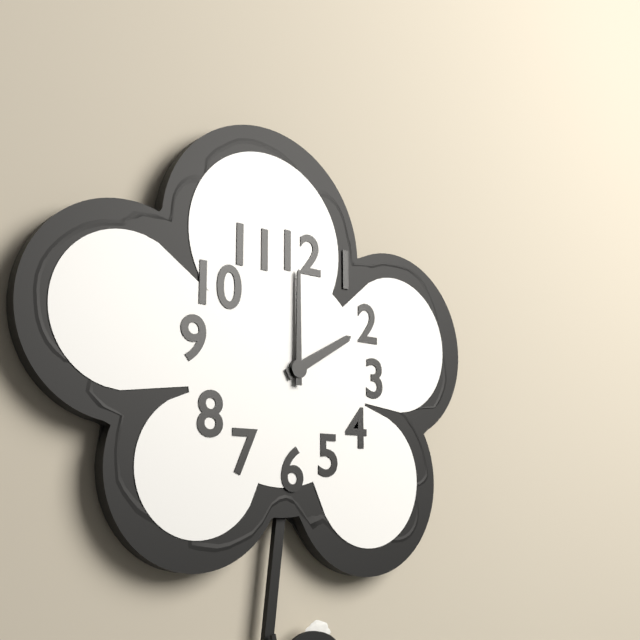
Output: 2.00
